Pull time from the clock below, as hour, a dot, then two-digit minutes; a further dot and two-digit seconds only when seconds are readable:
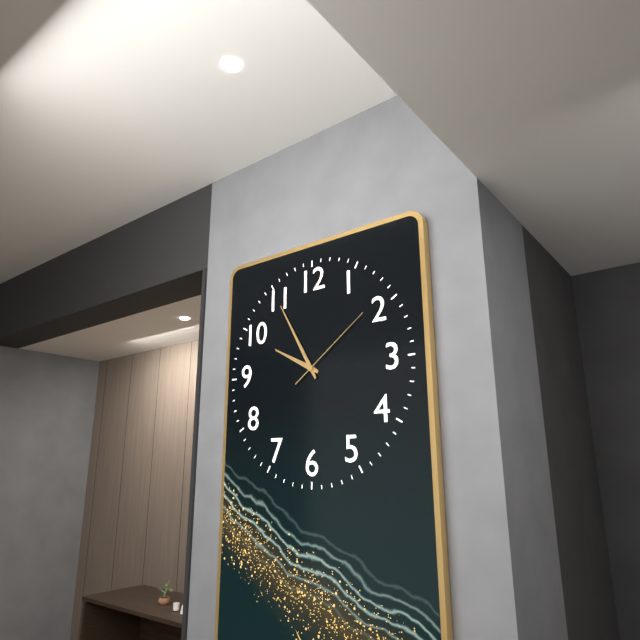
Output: 9.55.09
